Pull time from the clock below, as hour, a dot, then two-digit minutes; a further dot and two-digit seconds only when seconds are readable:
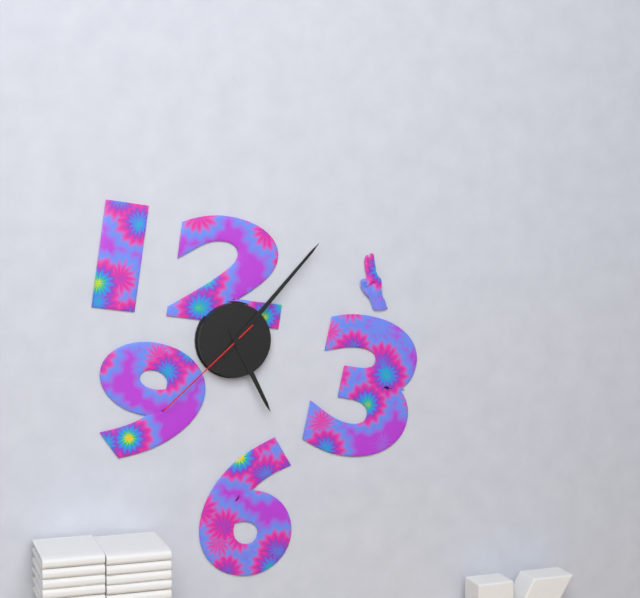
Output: 5.07.38
